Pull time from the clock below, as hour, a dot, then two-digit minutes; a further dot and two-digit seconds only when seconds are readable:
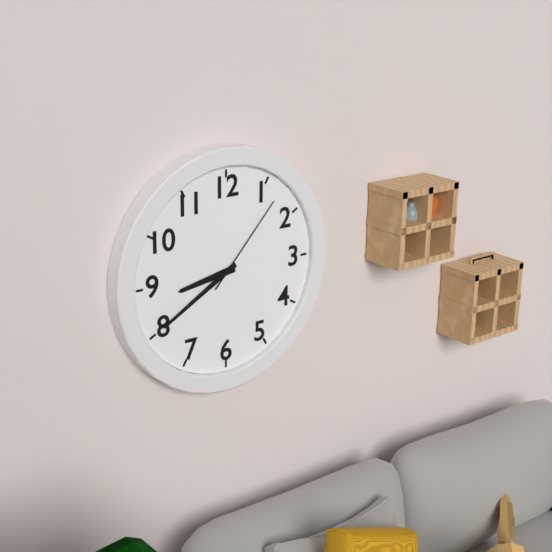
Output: 8.40.07
